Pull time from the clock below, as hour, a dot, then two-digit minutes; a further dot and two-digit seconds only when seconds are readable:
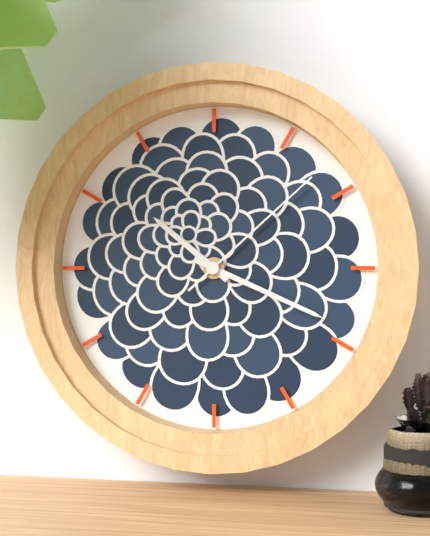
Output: 10.19.08
